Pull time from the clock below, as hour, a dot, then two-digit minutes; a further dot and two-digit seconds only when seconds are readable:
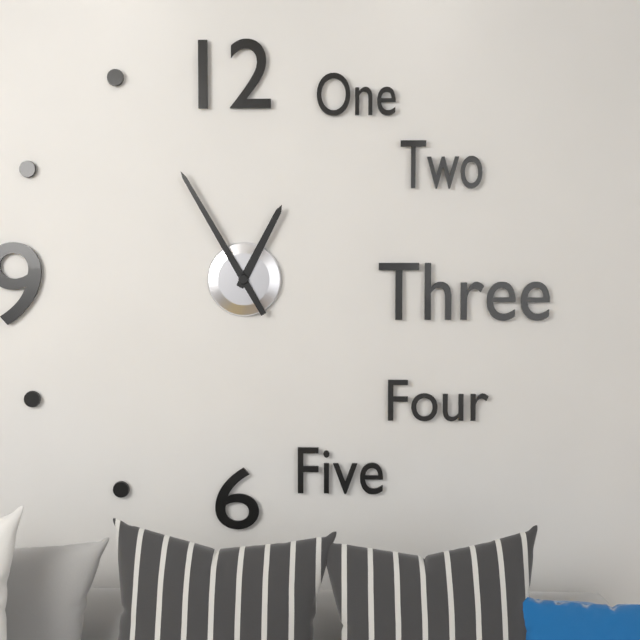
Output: 12.55
